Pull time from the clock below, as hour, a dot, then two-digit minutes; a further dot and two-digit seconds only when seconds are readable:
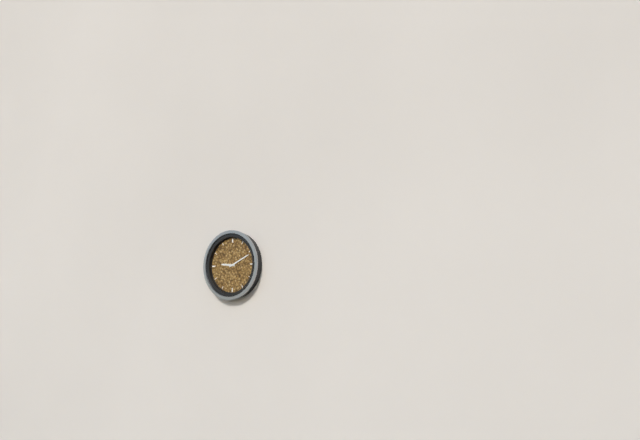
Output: 9.11
